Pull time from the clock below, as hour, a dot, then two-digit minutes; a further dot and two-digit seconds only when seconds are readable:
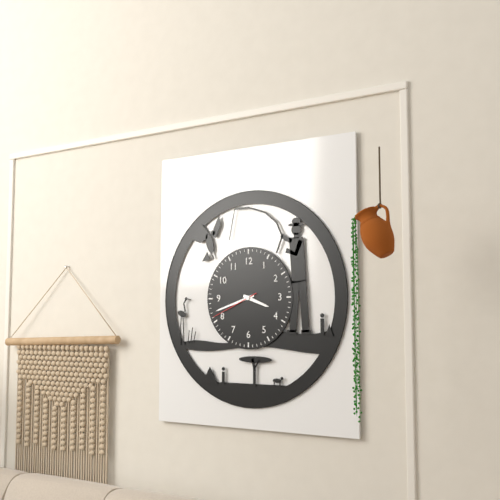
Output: 3.42.41
